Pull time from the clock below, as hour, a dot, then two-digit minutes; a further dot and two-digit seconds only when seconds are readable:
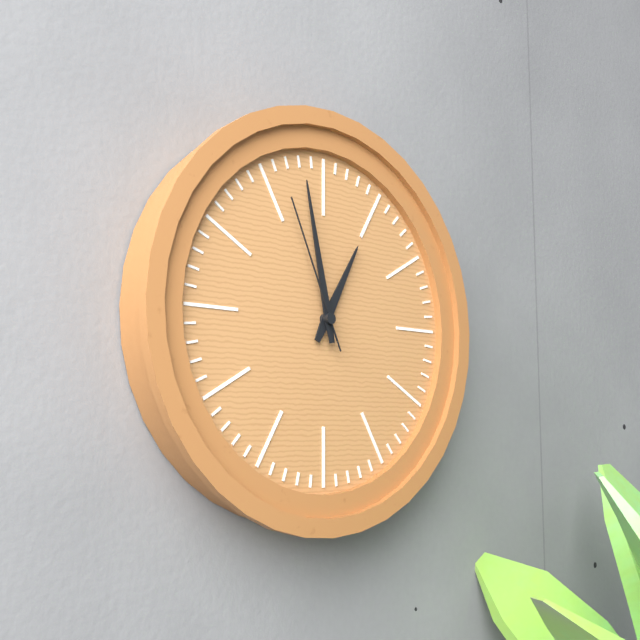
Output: 12.58.56
